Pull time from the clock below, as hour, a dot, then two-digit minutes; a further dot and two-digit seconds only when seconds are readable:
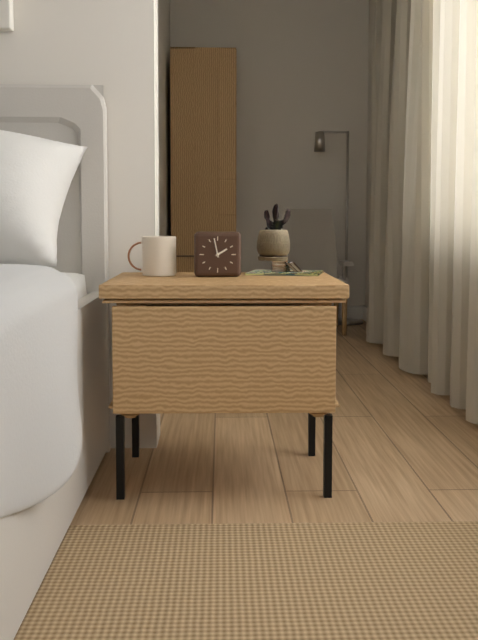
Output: 1.58
